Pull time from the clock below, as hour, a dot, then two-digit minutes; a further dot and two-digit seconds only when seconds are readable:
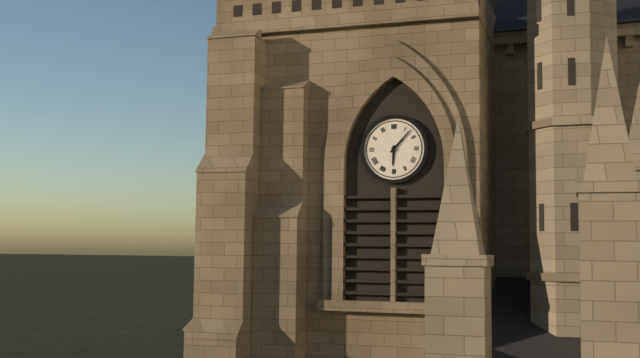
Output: 6.07
